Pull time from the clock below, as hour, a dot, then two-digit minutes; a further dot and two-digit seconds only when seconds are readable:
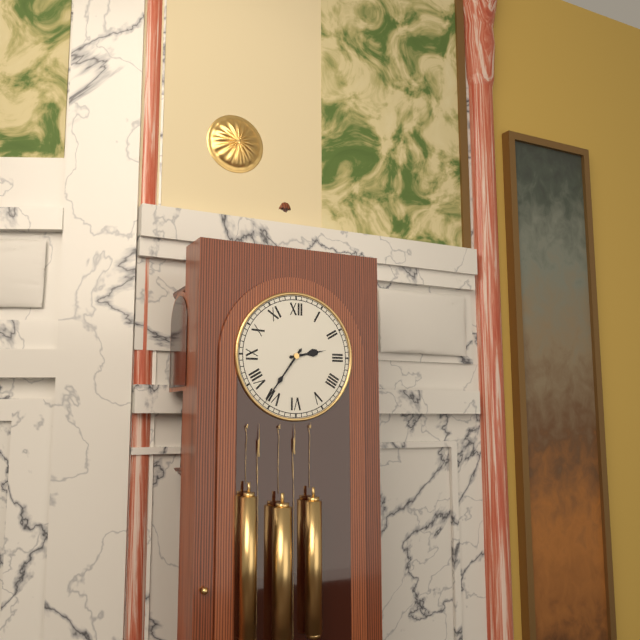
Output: 2.36
